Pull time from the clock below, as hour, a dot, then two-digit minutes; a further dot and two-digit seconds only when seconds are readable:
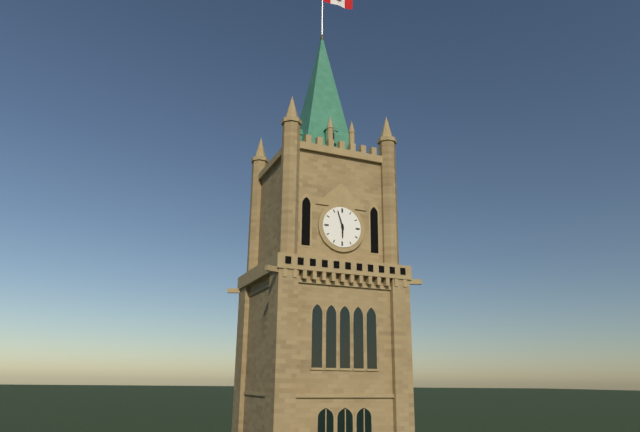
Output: 5.57
